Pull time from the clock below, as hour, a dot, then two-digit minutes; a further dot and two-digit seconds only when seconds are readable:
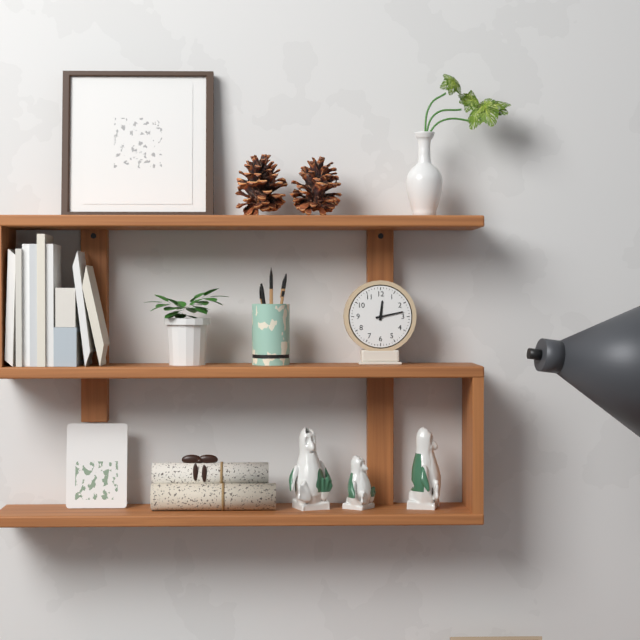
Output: 12.13
